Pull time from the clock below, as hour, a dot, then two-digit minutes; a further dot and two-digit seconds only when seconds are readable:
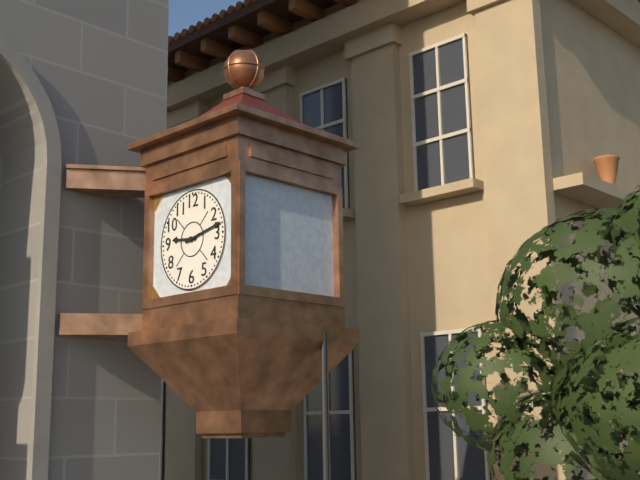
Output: 9.13
